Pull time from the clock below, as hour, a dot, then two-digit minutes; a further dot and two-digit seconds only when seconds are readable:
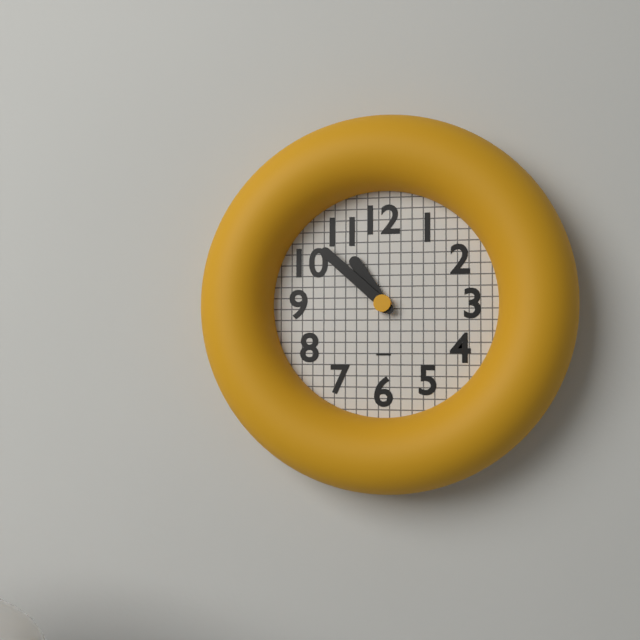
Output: 10.52
